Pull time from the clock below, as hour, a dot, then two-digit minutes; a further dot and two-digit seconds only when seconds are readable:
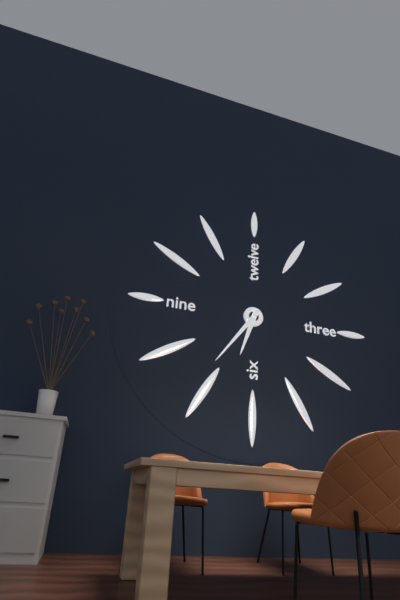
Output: 6.36
